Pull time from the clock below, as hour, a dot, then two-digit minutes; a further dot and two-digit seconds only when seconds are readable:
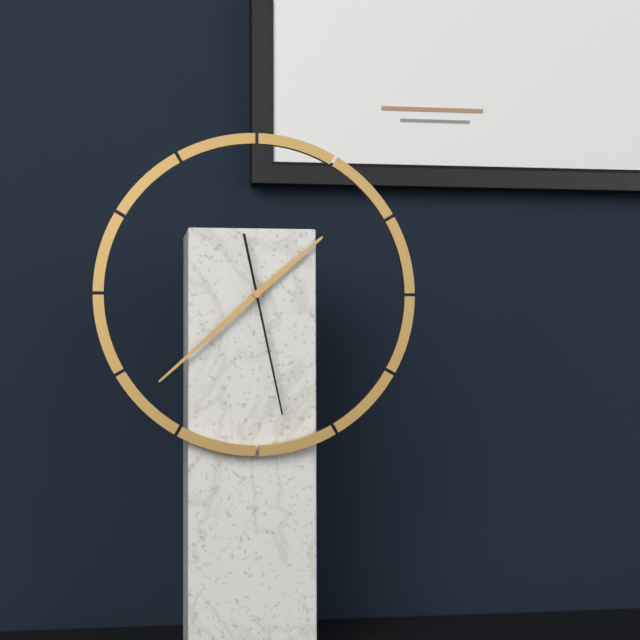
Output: 1.38.28
